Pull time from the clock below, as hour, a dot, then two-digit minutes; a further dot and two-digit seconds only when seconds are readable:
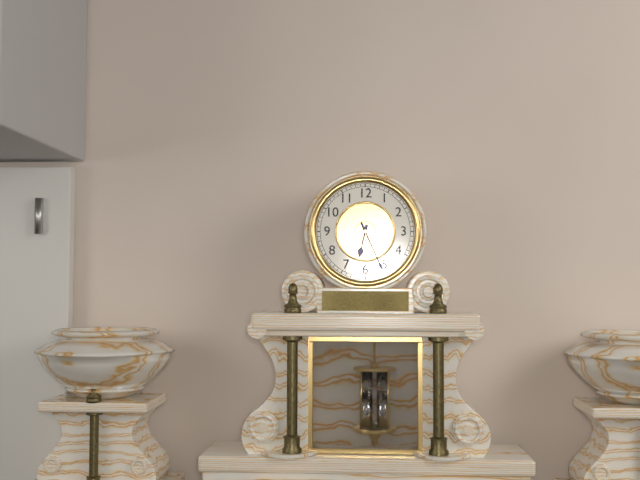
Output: 6.26
